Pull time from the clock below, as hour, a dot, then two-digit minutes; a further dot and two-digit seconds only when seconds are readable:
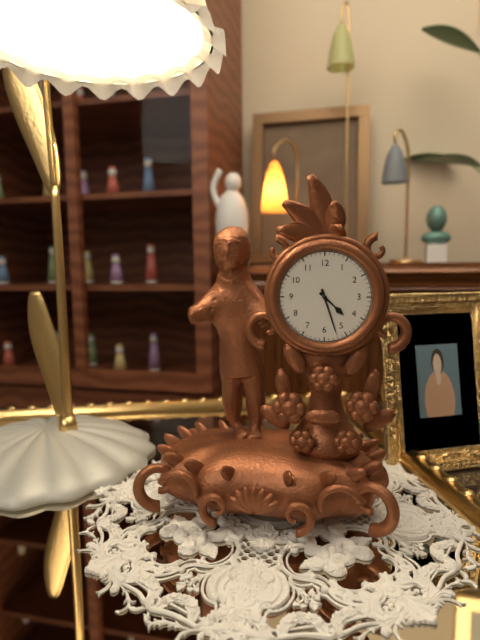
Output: 4.27
